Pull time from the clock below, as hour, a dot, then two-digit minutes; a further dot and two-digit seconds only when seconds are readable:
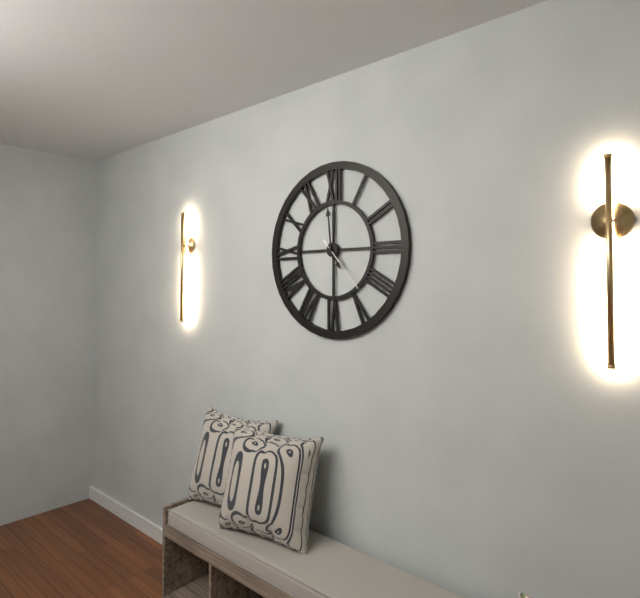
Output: 4.59.23
